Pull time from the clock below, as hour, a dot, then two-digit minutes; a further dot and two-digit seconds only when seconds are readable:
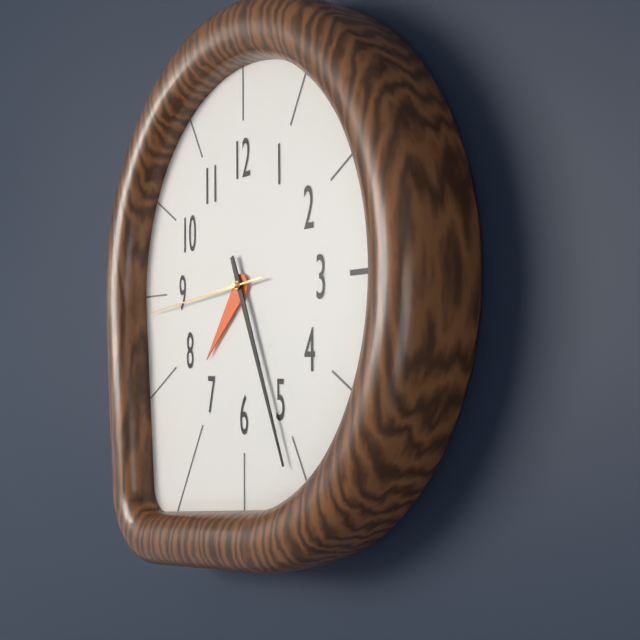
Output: 7.26.44
